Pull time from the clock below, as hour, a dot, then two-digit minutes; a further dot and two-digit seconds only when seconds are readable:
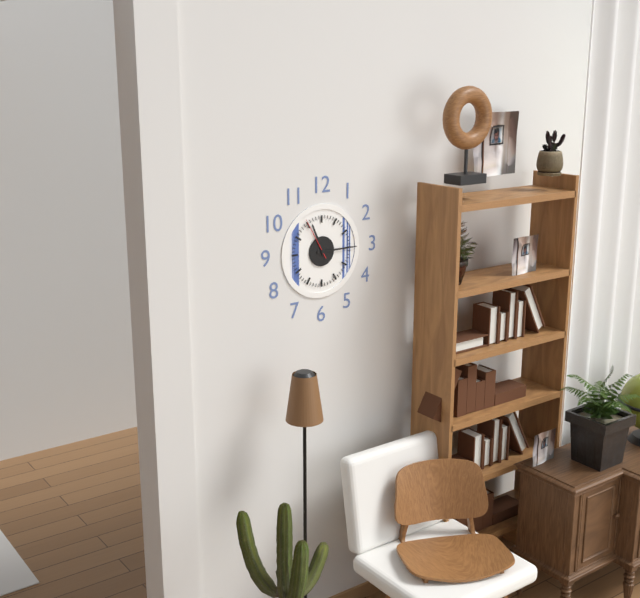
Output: 11.15
